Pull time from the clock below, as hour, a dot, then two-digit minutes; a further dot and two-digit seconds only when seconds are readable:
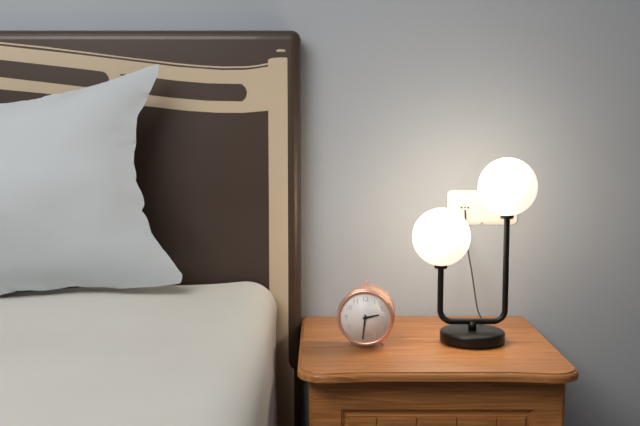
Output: 2.31
